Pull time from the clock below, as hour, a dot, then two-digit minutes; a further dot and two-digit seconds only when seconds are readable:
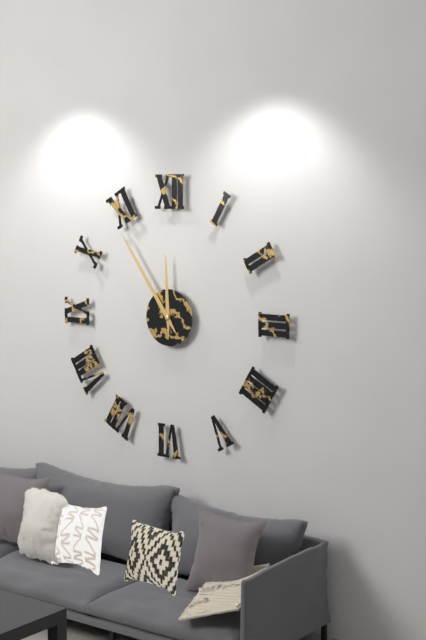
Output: 11.54
